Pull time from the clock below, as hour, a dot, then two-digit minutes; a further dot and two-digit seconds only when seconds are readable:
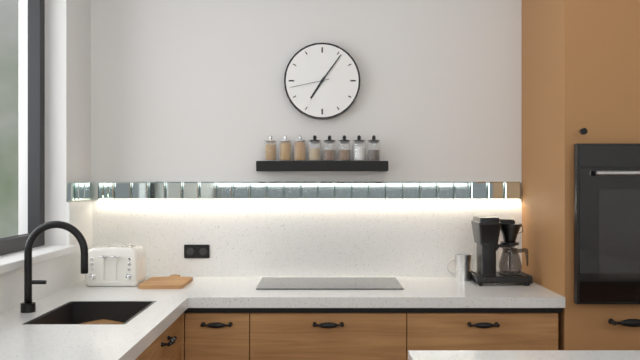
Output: 7.06
